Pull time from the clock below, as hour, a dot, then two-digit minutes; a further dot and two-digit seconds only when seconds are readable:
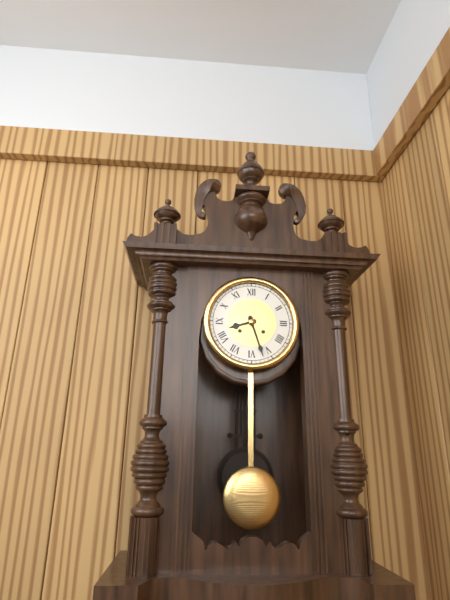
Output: 8.27
